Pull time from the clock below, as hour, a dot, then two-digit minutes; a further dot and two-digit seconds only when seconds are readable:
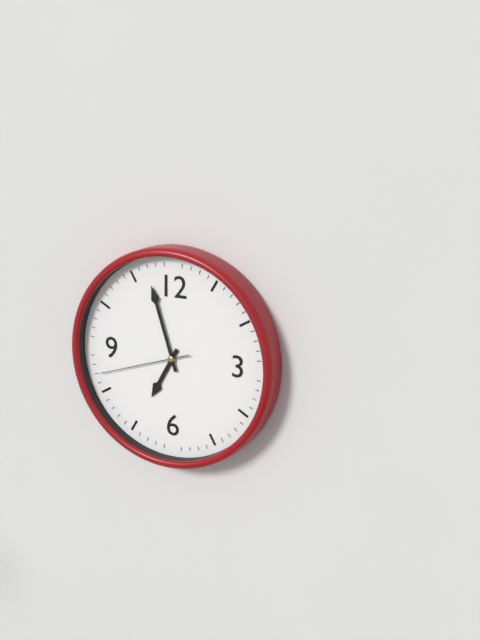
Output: 6.57.42
